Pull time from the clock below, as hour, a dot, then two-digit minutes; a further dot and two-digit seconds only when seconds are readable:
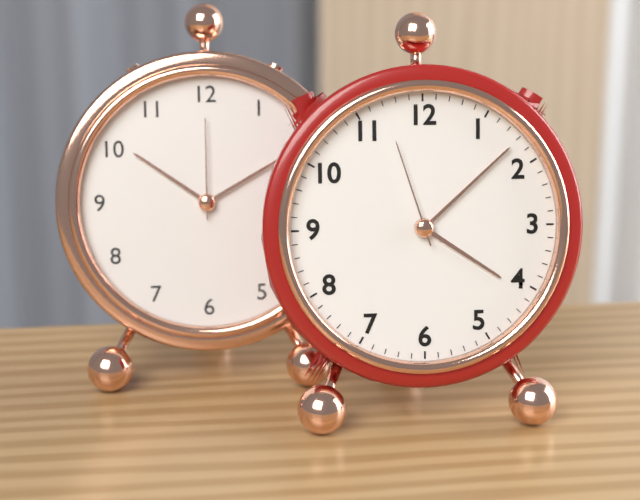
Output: 4.08.57
